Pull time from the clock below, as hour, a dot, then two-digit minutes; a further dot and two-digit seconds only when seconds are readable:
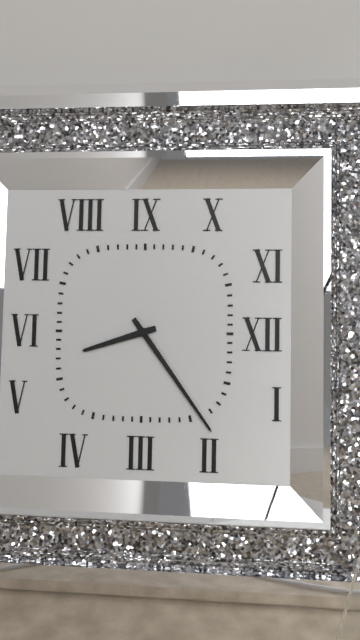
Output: 8.24
